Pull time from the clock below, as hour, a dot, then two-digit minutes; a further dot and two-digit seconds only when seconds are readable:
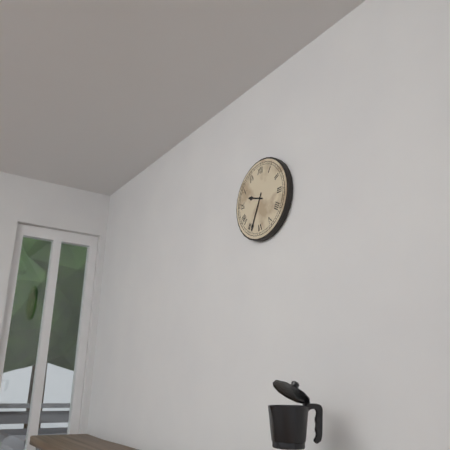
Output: 9.34
